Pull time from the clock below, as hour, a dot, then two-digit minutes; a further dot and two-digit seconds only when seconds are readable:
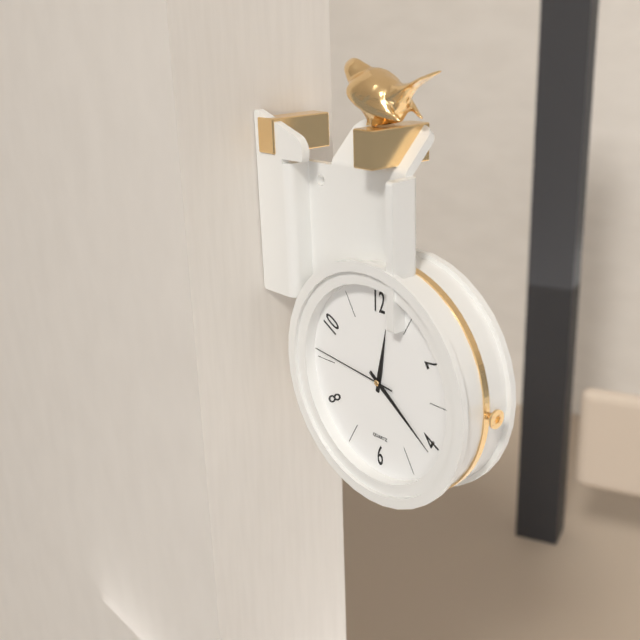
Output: 12.21.46
